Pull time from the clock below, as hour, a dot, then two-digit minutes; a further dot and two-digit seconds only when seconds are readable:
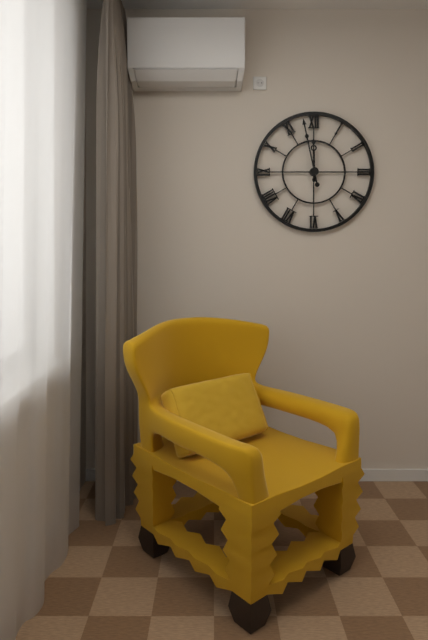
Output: 11.58
